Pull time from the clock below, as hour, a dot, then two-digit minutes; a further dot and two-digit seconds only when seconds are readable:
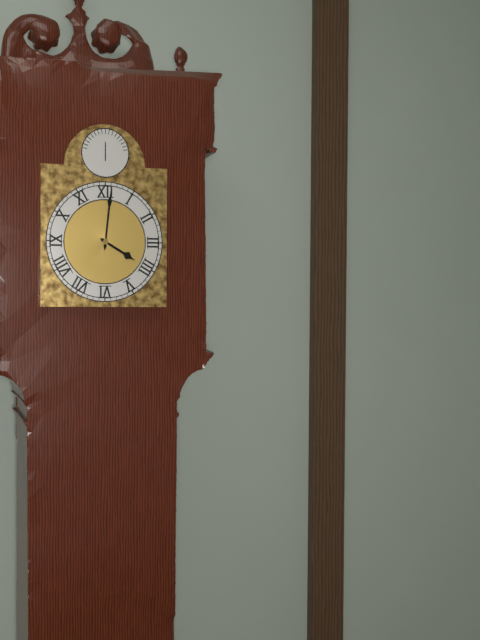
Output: 4.01
